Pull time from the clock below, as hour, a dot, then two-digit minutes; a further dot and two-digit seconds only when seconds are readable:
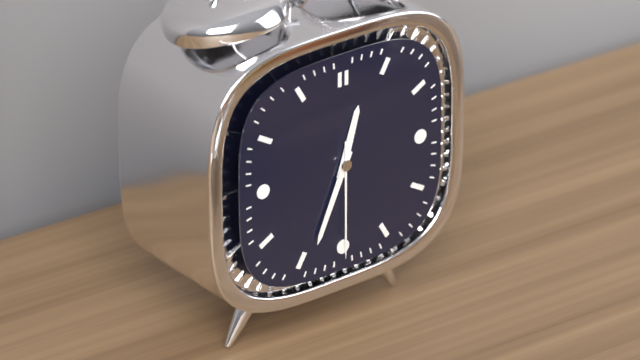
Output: 12.34.30
